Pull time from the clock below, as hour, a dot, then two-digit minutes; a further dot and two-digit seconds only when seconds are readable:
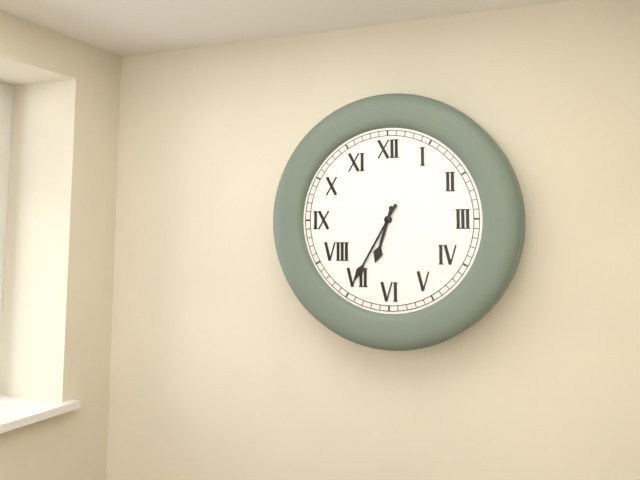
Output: 6.35
